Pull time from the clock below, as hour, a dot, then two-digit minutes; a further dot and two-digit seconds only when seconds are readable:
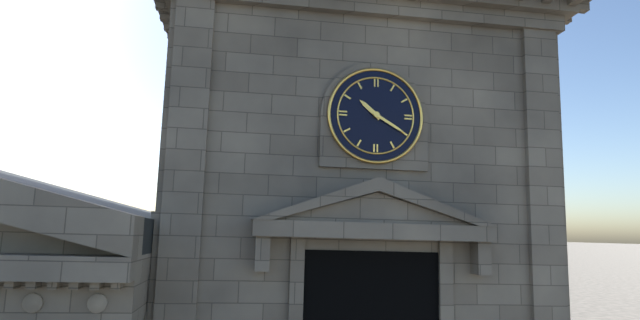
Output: 10.20
